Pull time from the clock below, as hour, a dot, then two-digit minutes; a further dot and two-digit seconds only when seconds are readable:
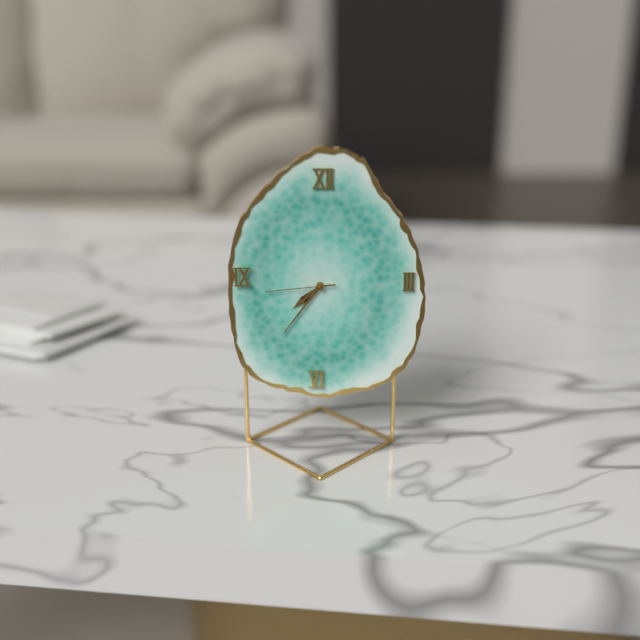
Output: 7.36.44
